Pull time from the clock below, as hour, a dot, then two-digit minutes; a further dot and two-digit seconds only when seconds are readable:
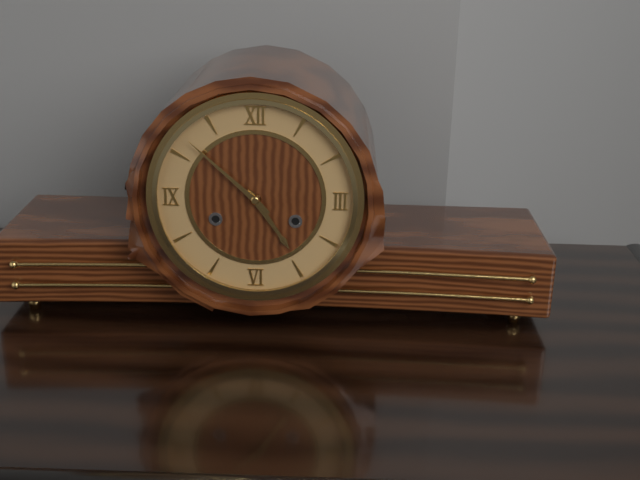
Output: 4.52
